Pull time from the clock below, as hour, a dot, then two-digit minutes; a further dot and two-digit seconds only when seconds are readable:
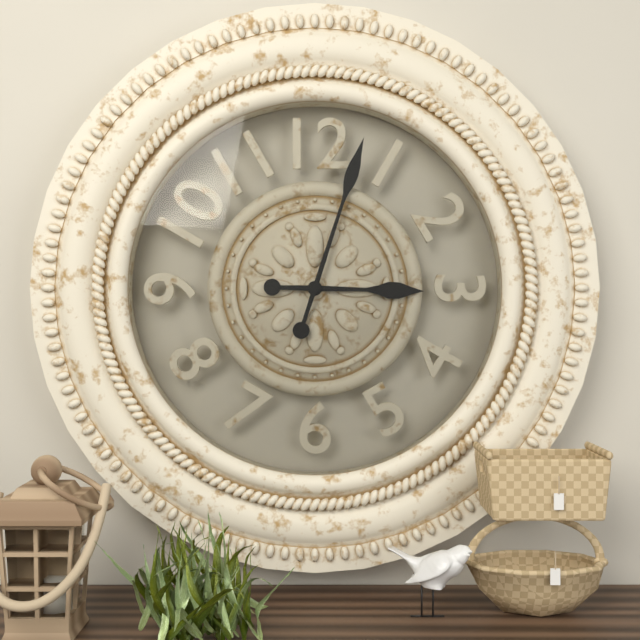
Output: 3.03
